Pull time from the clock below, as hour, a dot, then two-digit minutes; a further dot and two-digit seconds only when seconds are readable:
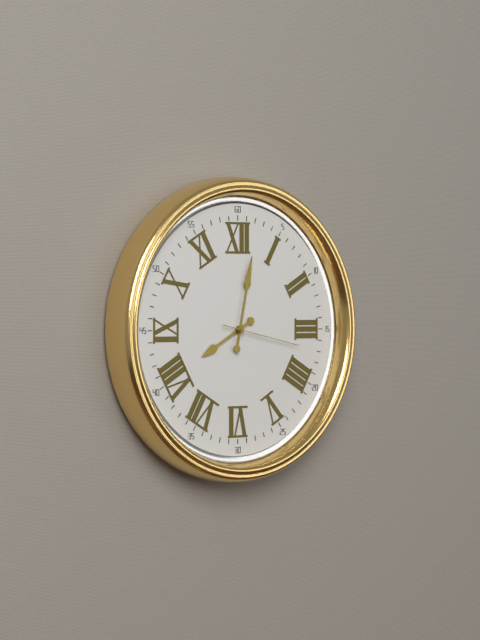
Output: 8.02.17
